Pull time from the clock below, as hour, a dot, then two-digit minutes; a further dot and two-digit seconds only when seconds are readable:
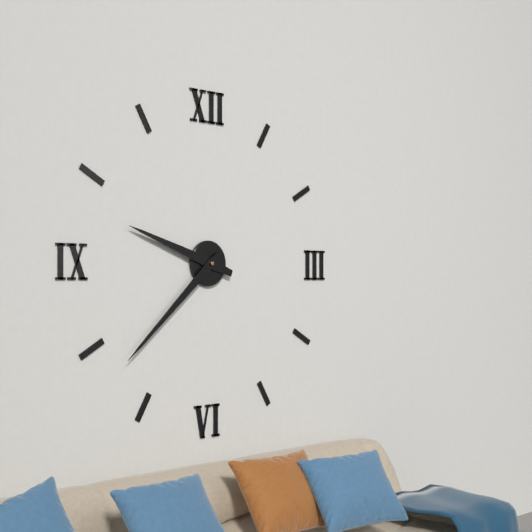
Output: 9.38
